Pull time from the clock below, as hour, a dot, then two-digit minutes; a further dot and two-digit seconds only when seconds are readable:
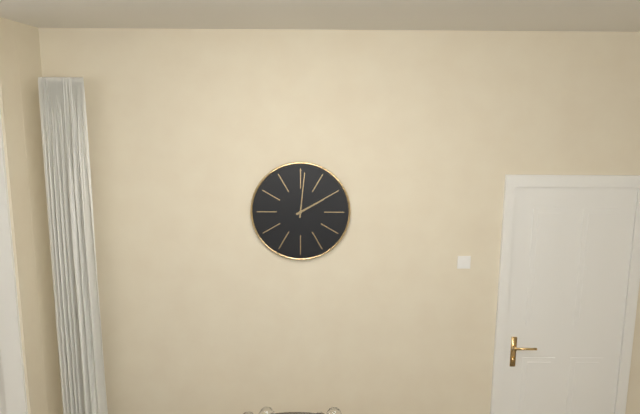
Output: 2.01
